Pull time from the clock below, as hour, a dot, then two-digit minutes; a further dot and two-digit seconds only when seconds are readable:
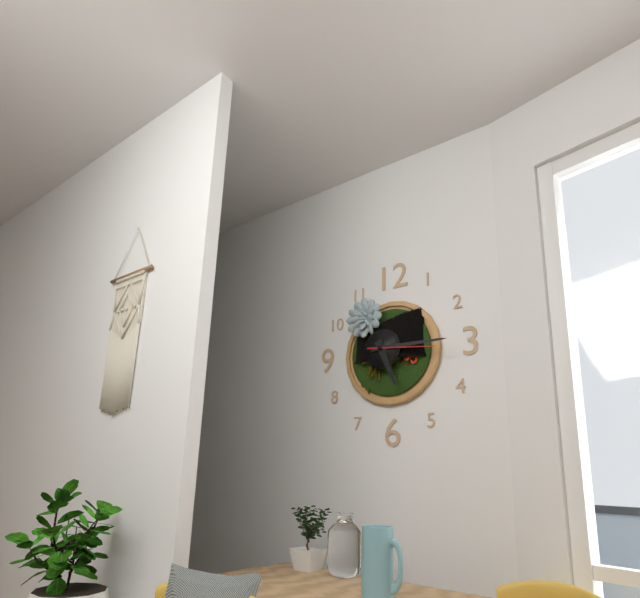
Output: 5.15.16
